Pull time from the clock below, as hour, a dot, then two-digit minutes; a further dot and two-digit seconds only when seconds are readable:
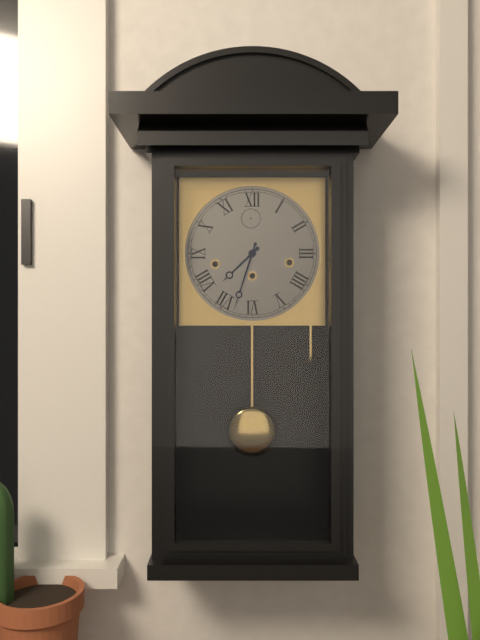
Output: 7.33
